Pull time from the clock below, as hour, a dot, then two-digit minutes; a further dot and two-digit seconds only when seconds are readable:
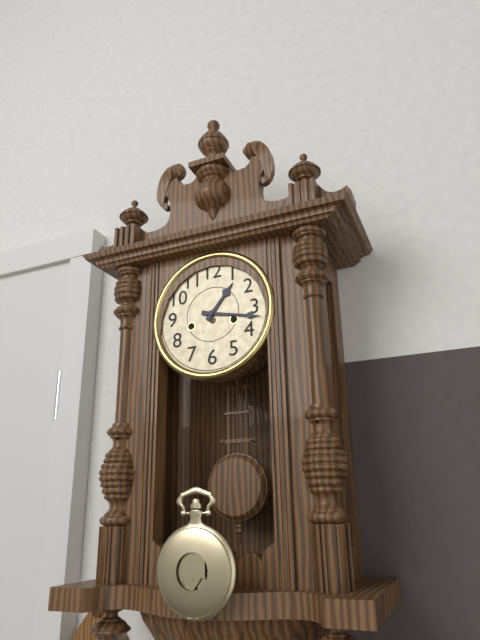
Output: 1.17
